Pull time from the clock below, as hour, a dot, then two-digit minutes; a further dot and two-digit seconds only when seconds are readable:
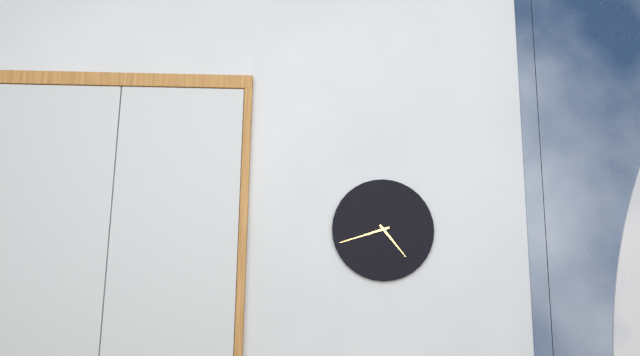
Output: 4.42
